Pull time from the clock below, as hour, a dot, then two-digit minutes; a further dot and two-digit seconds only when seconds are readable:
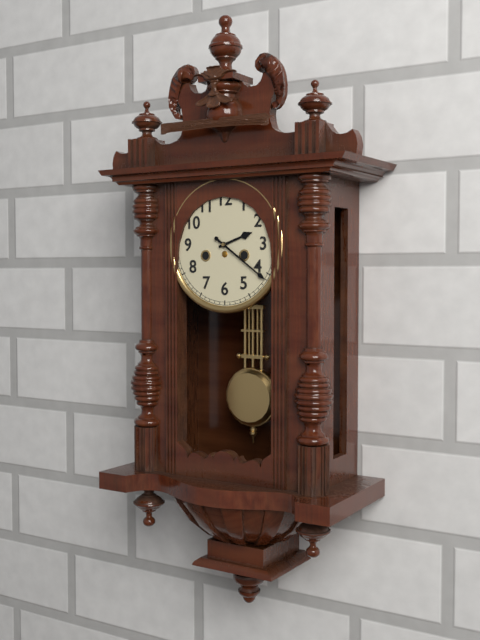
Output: 2.21
